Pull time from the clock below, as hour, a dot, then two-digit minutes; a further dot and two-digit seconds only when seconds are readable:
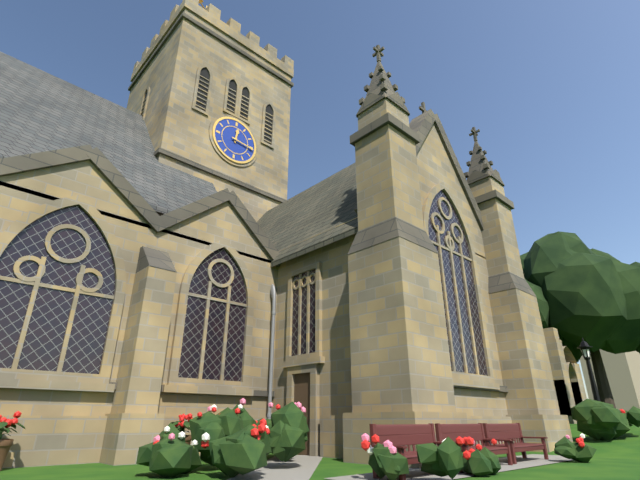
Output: 12.16
